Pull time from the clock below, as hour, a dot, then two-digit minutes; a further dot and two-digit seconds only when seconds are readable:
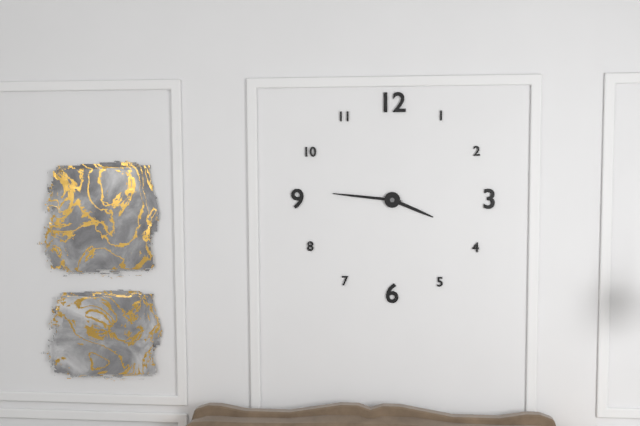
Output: 3.46
